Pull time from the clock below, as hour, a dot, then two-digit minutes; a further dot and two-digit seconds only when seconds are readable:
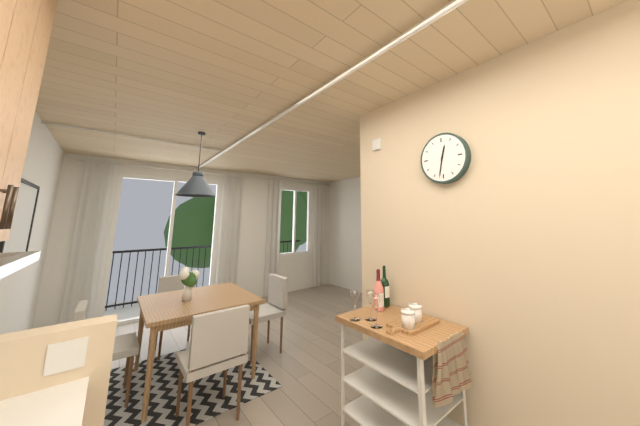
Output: 12.32
